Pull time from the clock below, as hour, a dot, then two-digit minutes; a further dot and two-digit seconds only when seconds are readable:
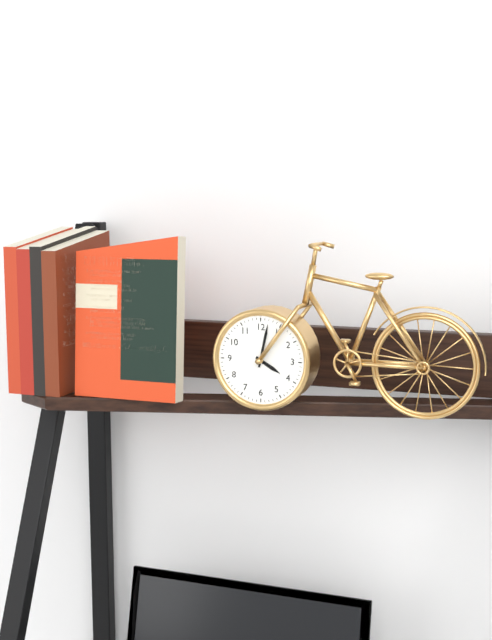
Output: 4.02
